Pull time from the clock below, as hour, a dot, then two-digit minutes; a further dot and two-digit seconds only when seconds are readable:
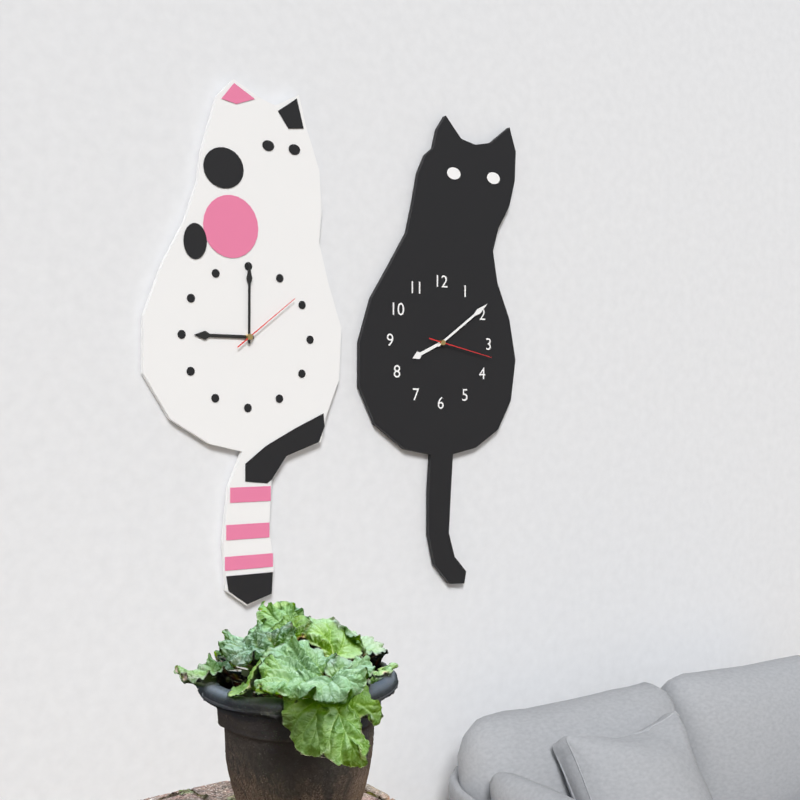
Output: 8.09.17
